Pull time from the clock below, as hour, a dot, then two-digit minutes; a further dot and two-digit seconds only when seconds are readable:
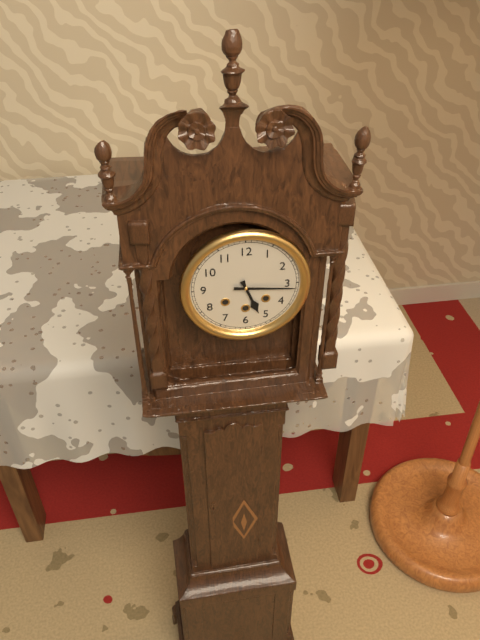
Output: 5.16
